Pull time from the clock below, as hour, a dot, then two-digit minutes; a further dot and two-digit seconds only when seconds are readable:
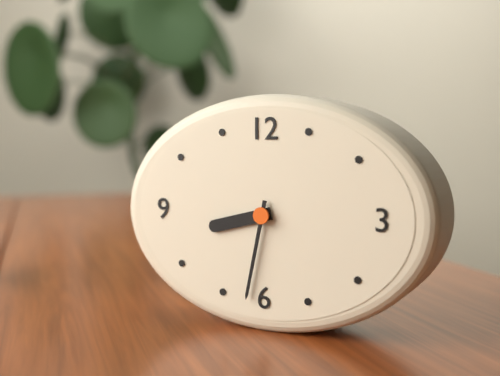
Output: 8.32
